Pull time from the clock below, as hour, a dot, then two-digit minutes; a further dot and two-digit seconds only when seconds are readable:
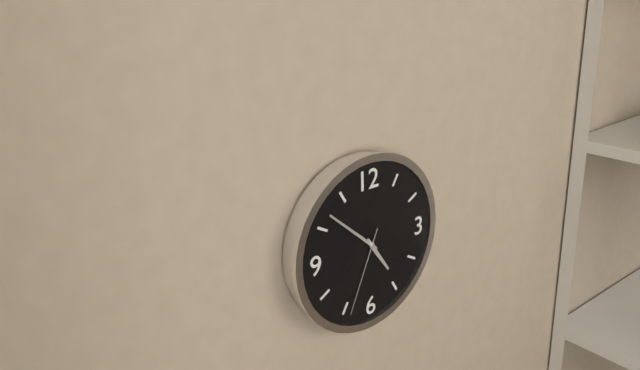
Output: 4.52.34
